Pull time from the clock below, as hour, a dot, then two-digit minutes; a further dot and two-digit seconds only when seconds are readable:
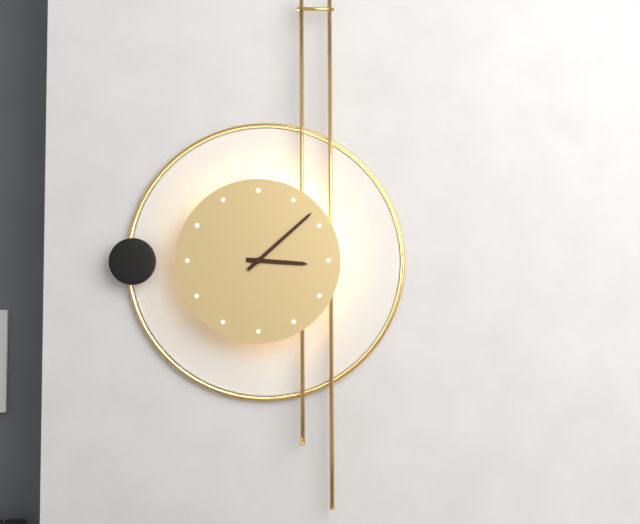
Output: 3.08
